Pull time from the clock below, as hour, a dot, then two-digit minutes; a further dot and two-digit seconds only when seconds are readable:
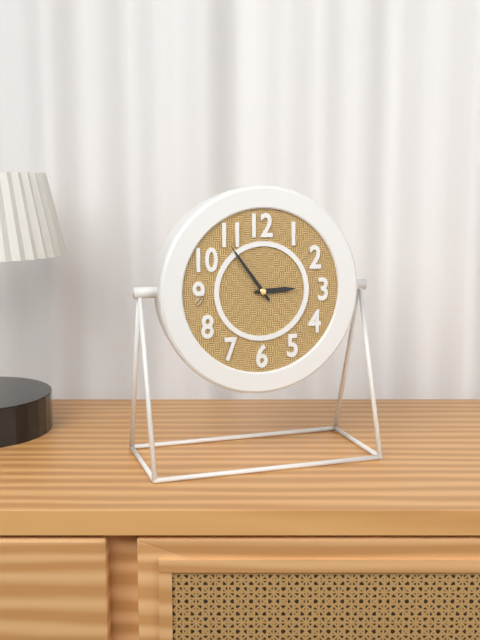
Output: 2.54
